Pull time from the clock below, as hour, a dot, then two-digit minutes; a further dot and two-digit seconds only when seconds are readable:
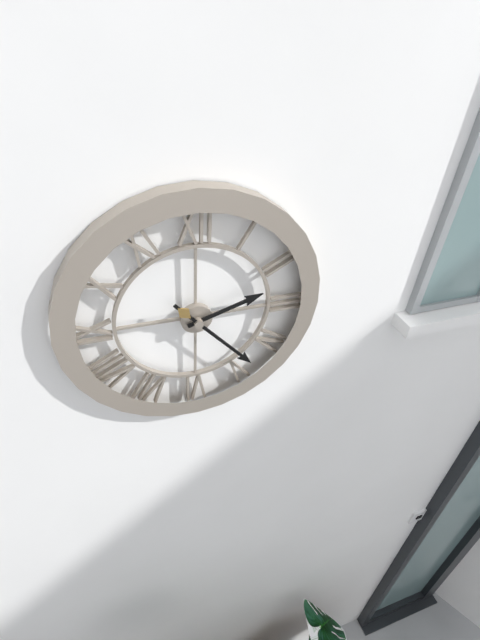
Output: 2.23
